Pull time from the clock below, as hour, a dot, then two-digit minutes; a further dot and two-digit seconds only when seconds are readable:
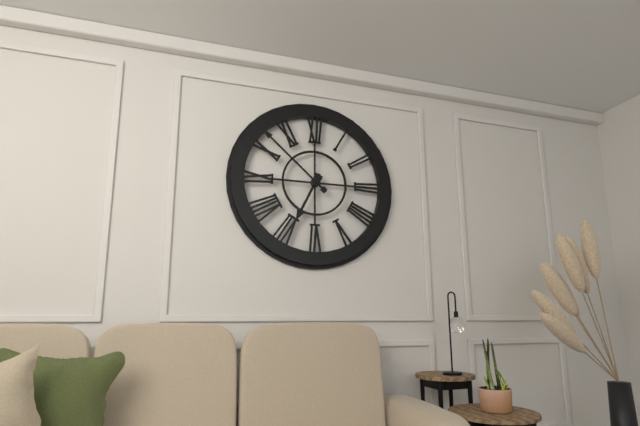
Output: 6.52
